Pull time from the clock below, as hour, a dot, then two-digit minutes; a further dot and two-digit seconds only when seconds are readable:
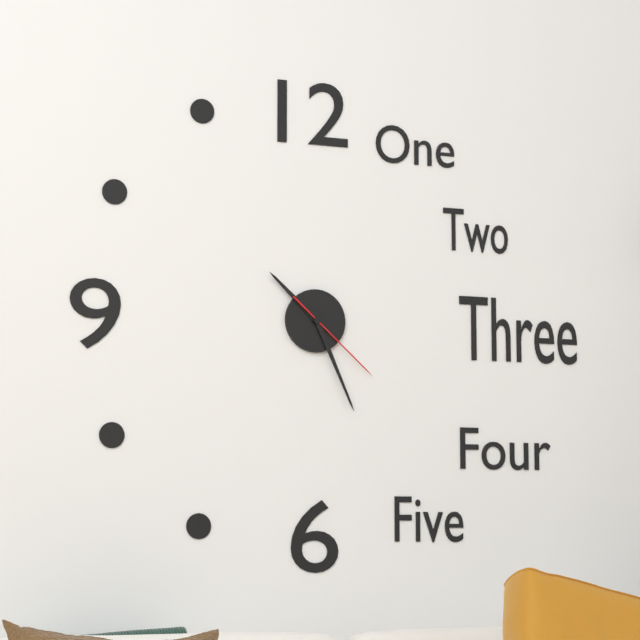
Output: 10.26.22
